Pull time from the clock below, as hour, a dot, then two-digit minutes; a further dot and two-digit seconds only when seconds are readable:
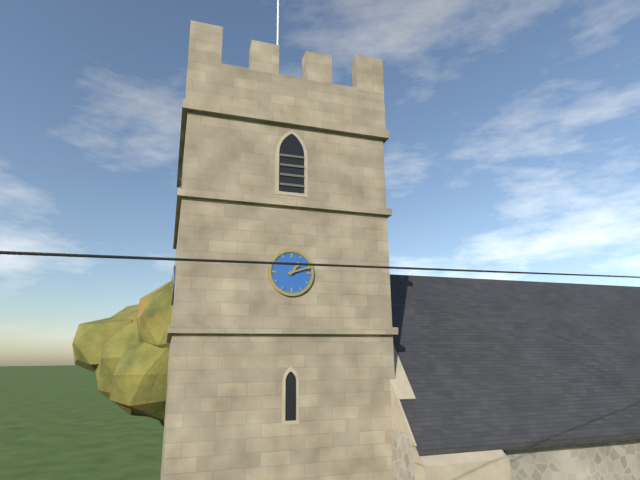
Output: 1.12
